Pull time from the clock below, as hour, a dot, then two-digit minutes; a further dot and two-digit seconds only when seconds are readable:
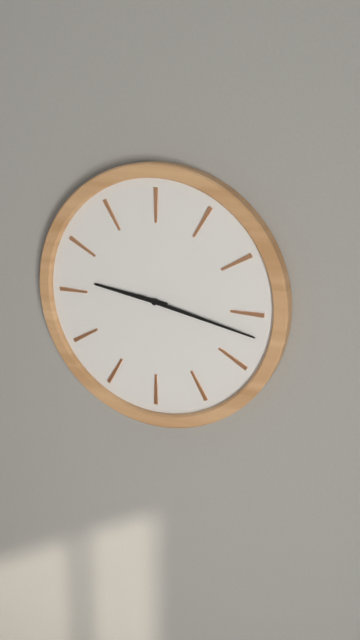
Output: 9.17
